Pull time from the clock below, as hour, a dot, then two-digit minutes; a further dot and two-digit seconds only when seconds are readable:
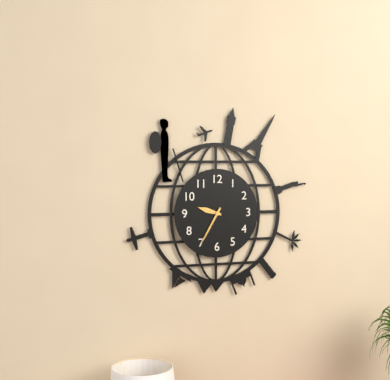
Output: 9.35
